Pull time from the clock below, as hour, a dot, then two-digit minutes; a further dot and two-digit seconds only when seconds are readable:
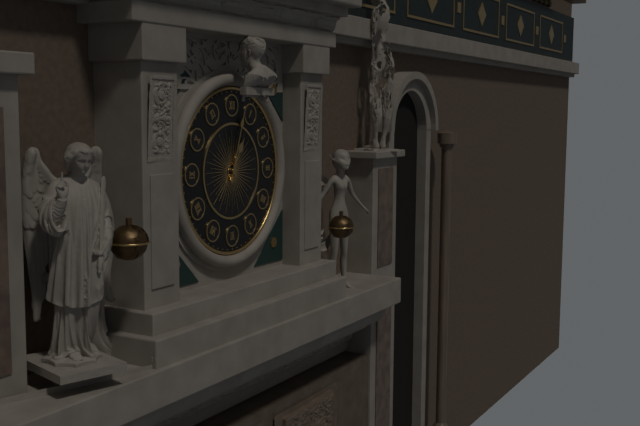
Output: 1.03
